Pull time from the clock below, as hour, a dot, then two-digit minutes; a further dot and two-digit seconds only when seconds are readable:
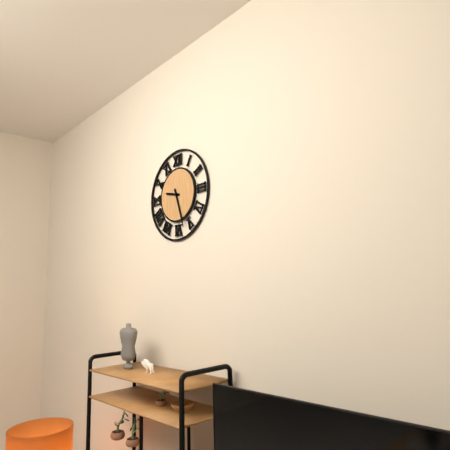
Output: 9.27
